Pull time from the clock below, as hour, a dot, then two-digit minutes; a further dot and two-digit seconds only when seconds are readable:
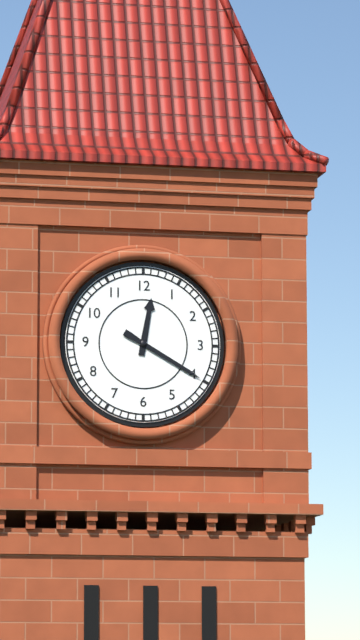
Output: 12.20
